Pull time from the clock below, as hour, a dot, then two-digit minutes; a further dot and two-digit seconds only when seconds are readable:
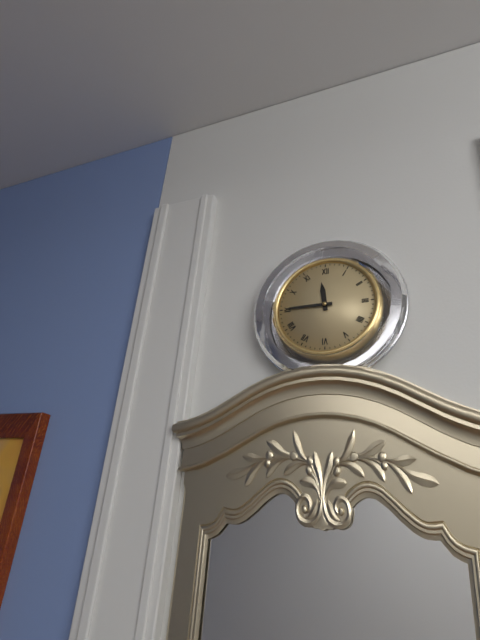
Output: 11.45
